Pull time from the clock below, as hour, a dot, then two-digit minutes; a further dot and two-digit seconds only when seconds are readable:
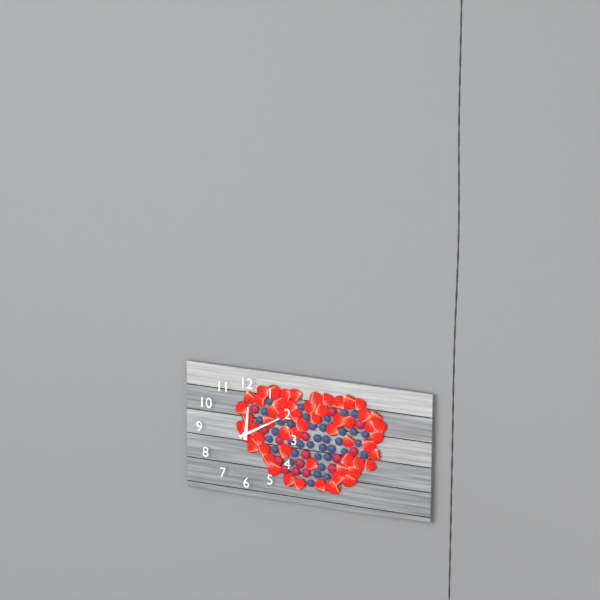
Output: 12.10
